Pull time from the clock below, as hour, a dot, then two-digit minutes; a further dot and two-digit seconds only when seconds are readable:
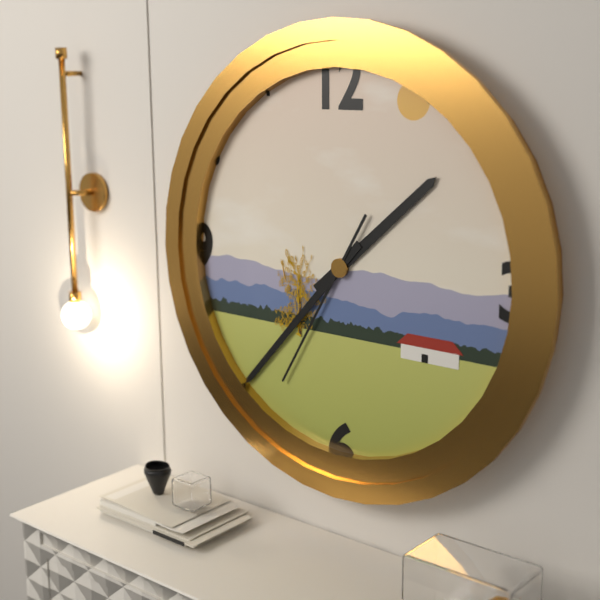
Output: 1.37.35
